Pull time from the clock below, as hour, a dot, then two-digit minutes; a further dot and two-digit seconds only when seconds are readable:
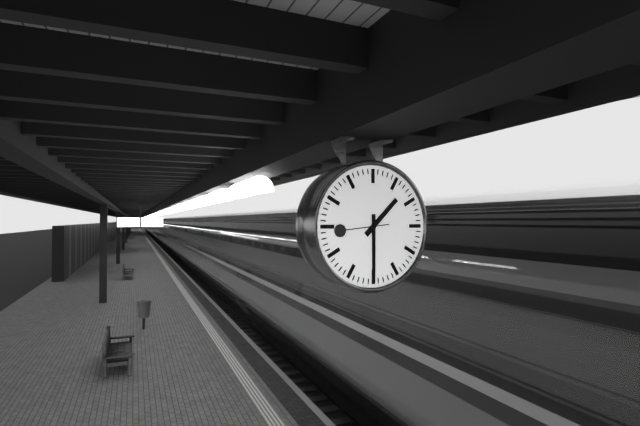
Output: 1.30
